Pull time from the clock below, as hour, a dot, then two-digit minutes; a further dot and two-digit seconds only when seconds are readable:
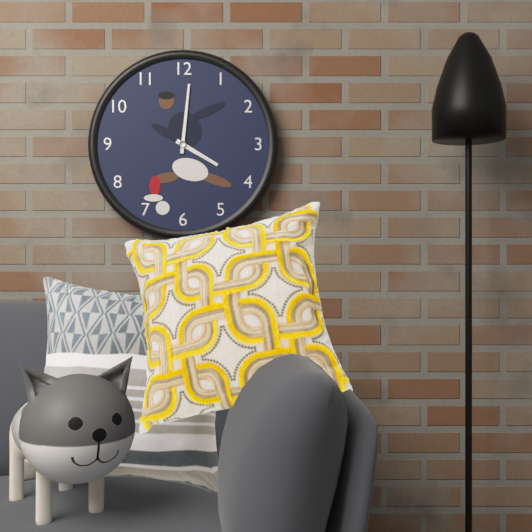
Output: 4.01
